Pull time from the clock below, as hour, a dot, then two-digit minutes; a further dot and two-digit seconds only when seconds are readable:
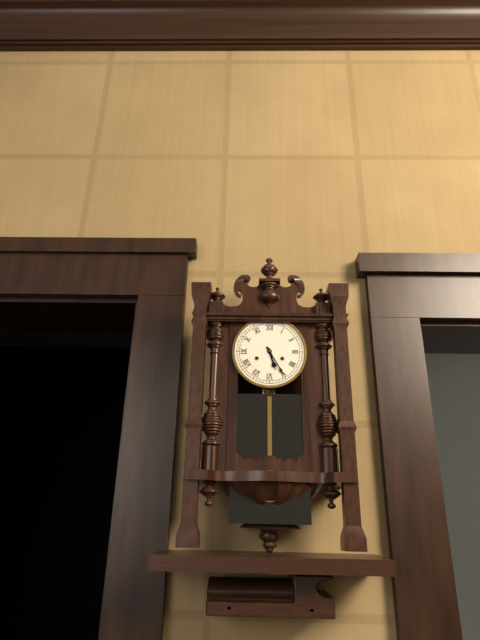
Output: 5.25
